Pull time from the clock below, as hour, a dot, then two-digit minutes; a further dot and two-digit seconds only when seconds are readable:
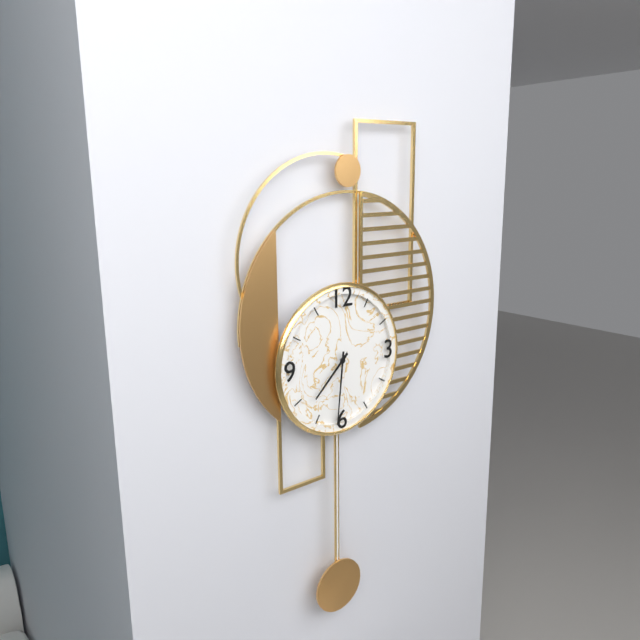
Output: 7.31
